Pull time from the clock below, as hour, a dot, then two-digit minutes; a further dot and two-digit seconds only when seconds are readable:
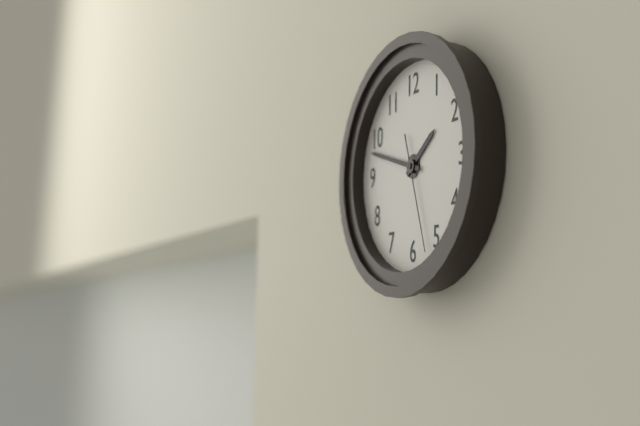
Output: 1.48.27
